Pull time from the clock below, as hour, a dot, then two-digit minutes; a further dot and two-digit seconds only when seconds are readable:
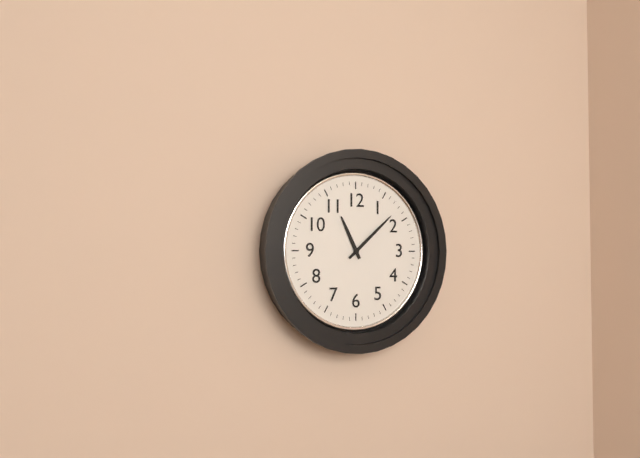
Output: 11.08
